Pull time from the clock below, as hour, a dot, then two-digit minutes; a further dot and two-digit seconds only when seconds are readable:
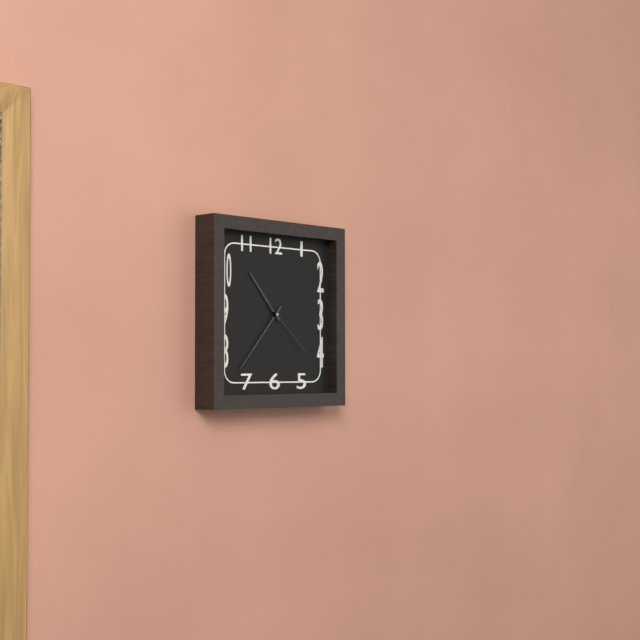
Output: 10.37.22
